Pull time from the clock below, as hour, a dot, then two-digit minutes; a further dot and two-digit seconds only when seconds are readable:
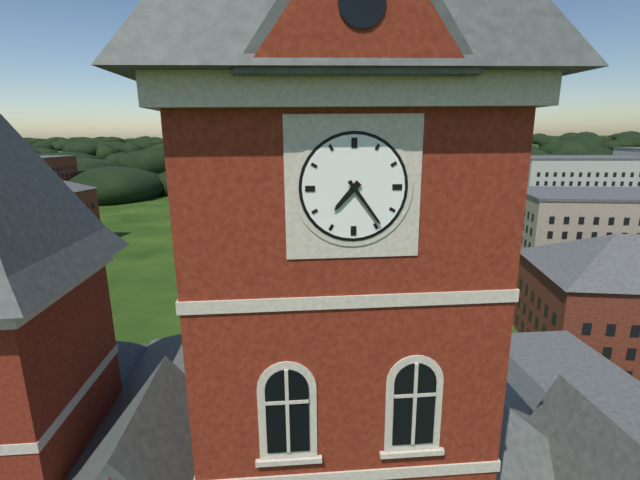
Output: 7.24
